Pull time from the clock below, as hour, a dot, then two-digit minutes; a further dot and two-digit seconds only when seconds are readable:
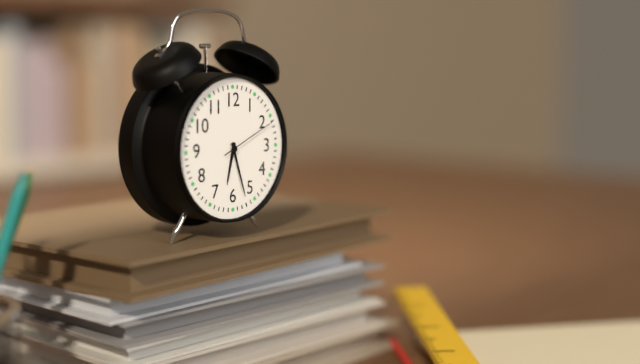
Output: 6.27.11
